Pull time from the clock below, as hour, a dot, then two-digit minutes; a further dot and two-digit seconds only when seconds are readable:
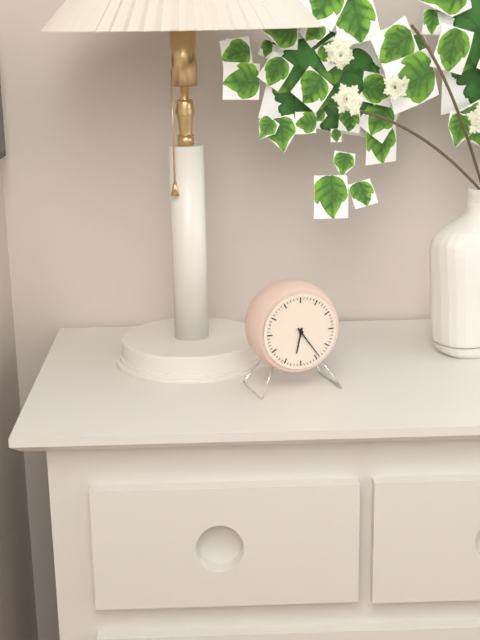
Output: 6.24
